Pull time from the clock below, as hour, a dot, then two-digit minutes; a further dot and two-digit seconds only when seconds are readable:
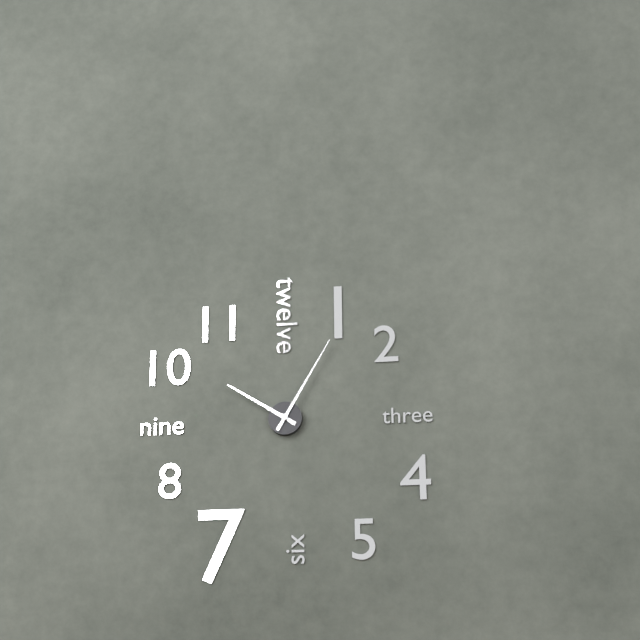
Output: 10.05
